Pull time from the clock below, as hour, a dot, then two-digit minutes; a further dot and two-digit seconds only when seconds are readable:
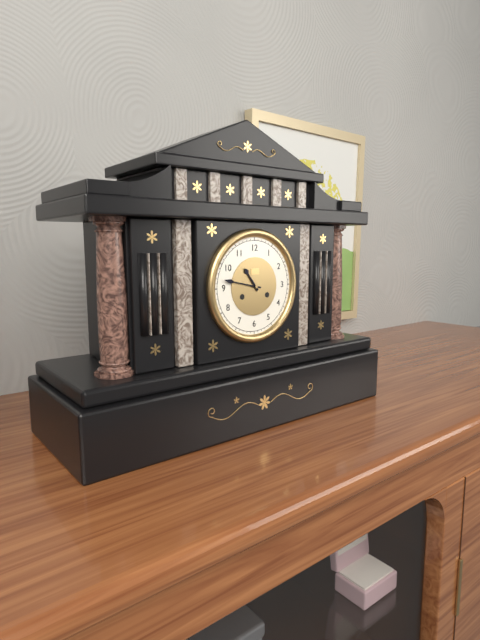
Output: 10.47
